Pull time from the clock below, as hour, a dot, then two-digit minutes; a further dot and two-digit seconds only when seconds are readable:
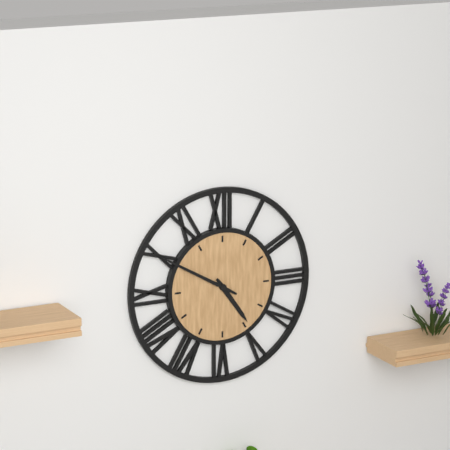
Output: 4.50
